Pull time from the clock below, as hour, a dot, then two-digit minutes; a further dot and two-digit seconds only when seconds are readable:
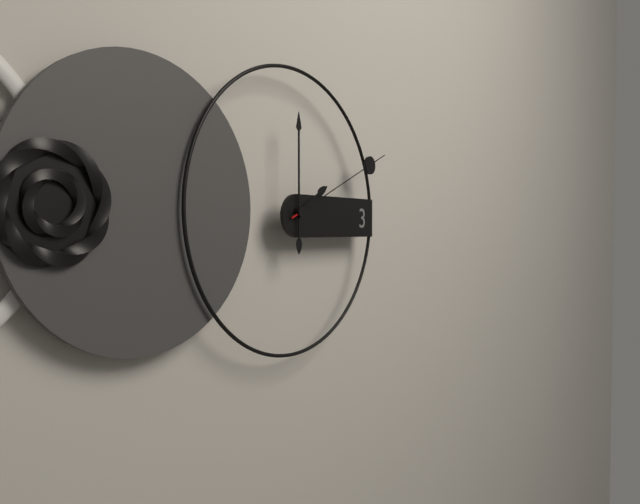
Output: 2.00.11
